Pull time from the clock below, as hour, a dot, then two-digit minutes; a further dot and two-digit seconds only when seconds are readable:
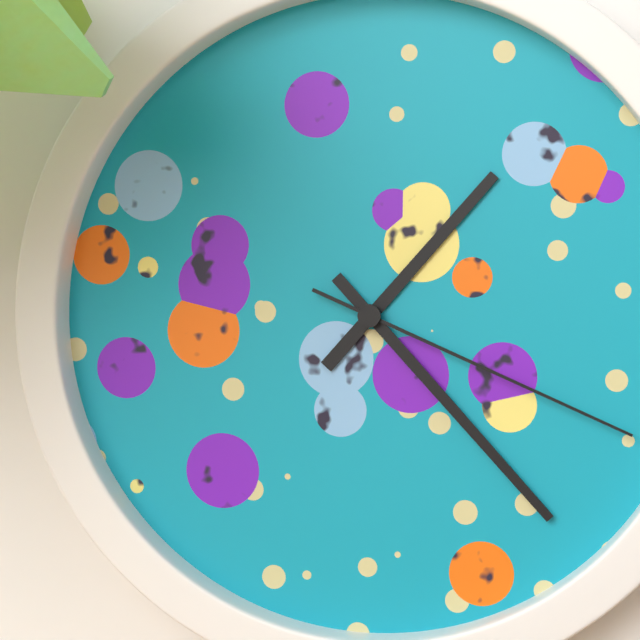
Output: 1.23.19
